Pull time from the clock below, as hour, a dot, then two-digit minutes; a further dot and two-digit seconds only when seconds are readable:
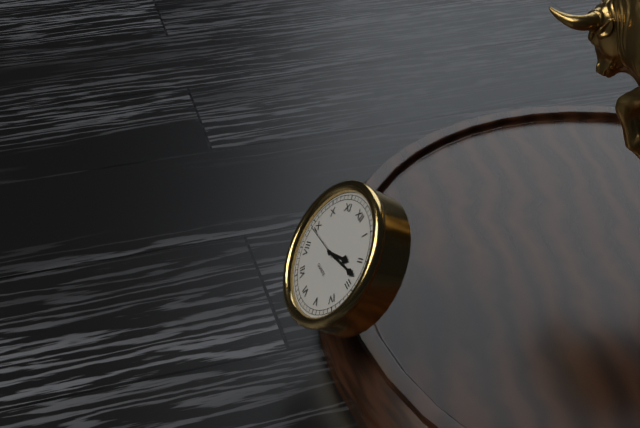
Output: 2.13
